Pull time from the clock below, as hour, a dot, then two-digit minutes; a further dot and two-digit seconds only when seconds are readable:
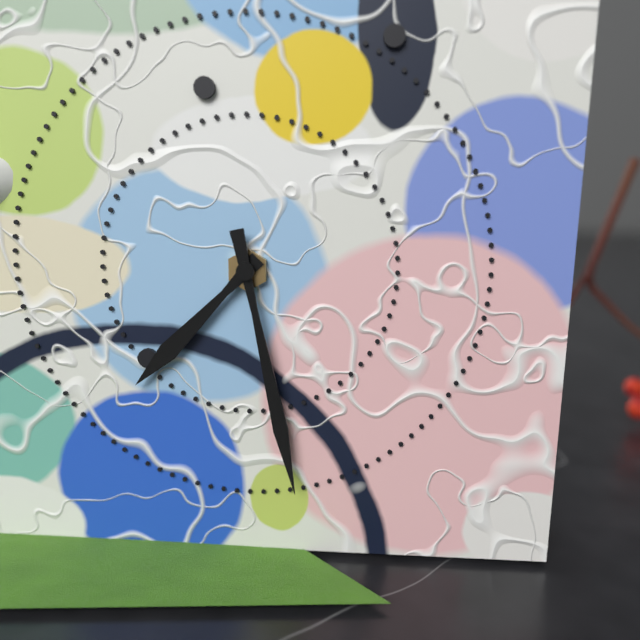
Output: 7.28
